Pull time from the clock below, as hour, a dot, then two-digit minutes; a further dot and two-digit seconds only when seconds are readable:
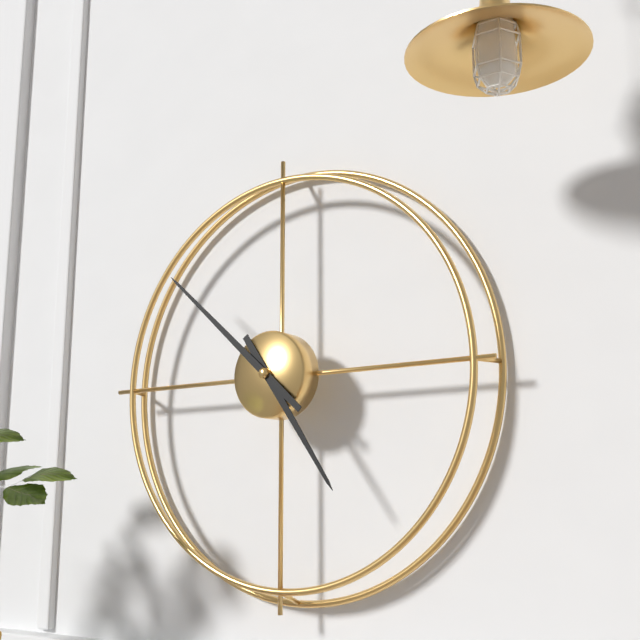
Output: 4.52
